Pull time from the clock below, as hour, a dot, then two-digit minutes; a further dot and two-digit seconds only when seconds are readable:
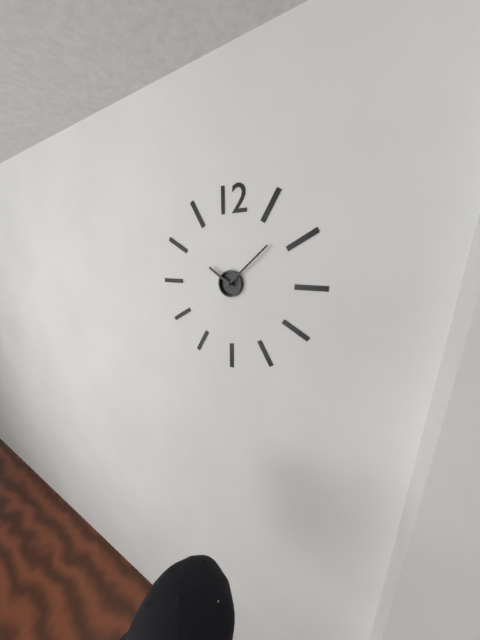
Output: 10.08
